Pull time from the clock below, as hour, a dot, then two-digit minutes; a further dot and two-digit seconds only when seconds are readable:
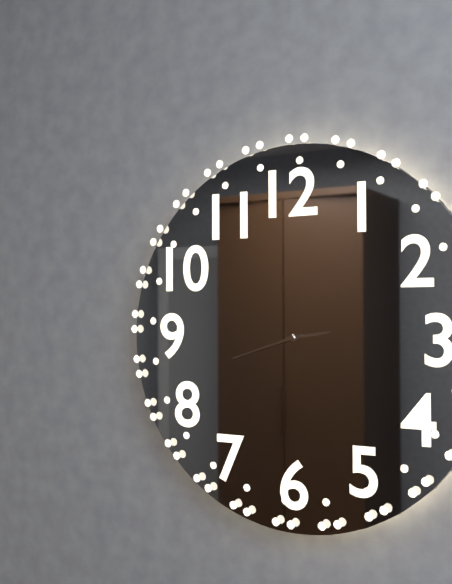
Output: 2.42
